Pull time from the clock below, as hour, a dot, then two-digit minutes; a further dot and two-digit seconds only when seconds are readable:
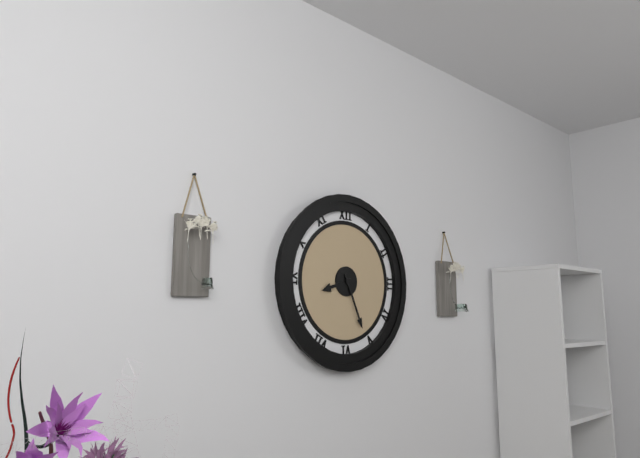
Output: 8.26
